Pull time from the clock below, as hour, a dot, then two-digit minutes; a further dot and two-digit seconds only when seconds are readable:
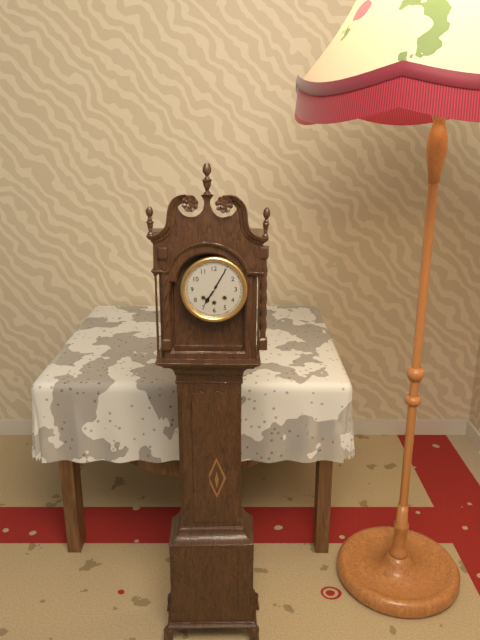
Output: 7.05
